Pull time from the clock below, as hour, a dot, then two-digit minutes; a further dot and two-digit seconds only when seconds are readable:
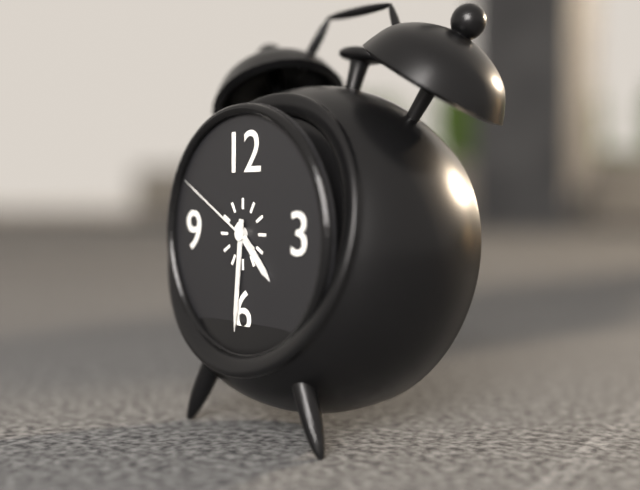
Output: 4.31.50
